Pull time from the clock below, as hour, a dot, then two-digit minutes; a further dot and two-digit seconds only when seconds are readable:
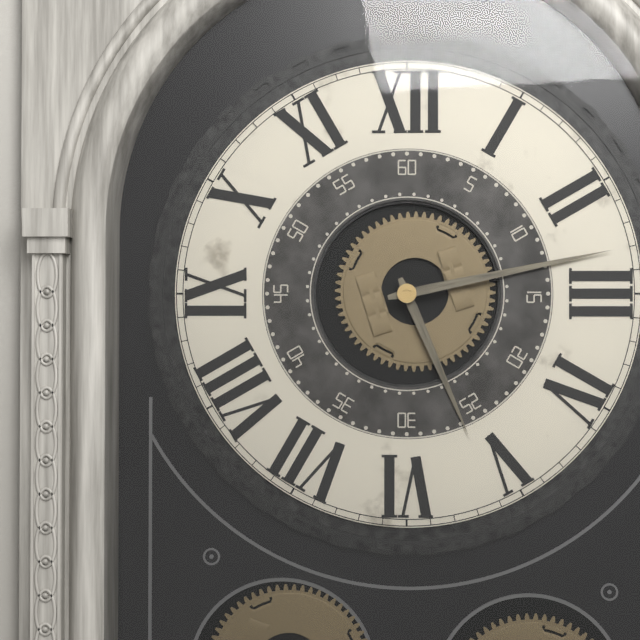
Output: 5.13
